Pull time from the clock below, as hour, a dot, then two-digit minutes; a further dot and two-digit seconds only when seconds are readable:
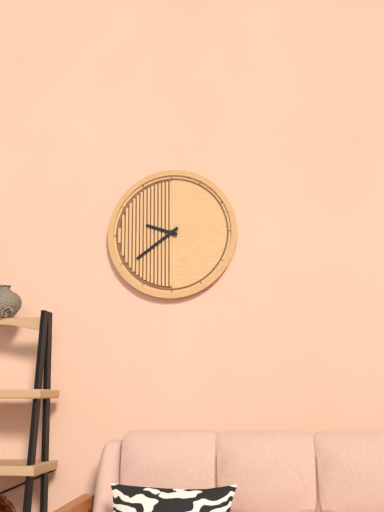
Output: 9.39
